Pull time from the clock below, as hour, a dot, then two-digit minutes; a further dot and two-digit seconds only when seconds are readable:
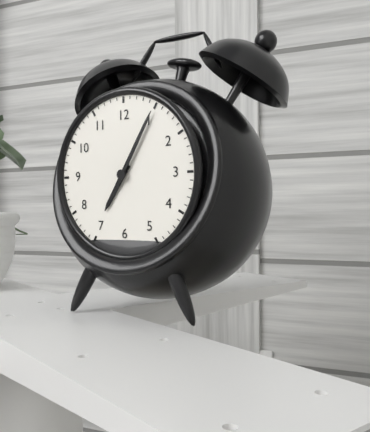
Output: 7.05
